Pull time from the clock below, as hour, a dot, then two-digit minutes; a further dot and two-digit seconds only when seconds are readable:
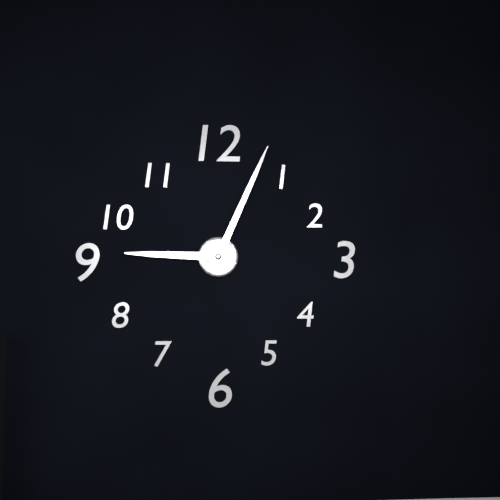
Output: 9.04
